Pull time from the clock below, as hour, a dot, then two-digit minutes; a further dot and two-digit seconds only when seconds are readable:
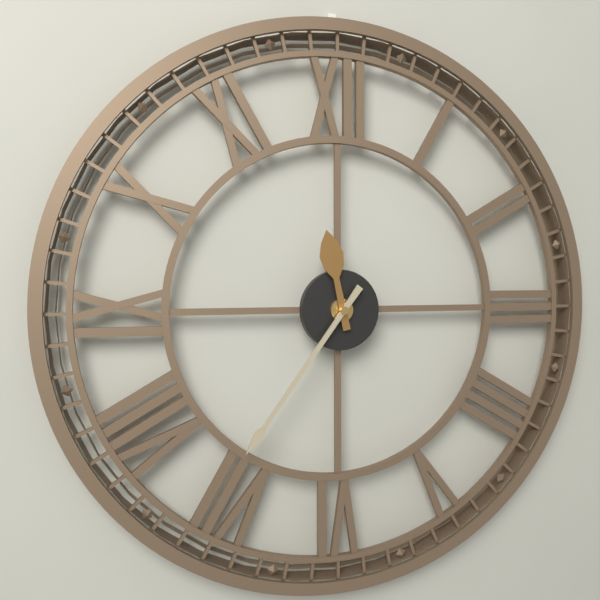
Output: 11.36
